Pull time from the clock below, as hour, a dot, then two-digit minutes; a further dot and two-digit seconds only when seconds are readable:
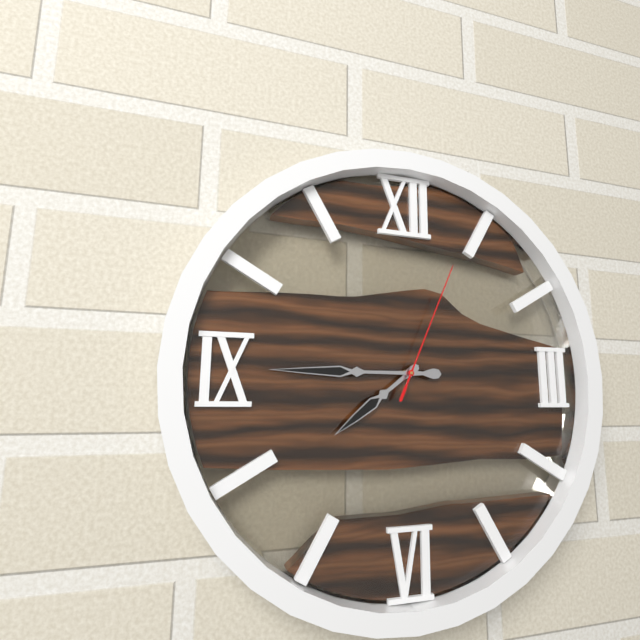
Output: 7.45.04
